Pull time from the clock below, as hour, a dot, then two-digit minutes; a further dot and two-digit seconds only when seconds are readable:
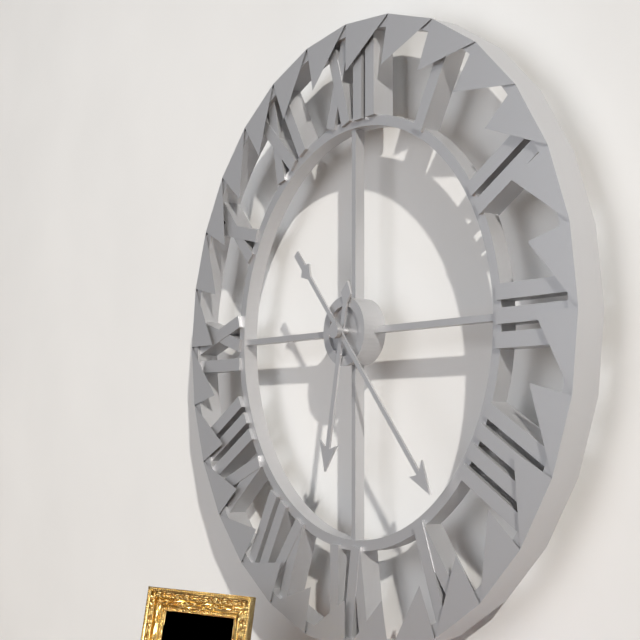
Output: 6.23
